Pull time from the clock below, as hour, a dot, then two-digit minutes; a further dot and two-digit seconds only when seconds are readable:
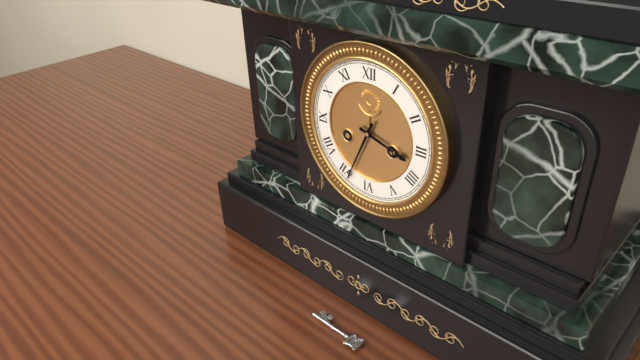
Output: 3.34
